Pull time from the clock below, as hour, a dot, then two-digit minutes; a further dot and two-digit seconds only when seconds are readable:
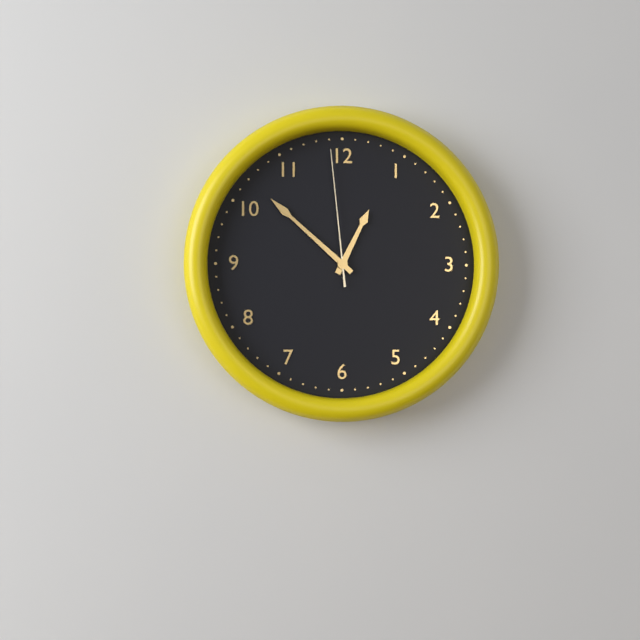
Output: 12.52.59
